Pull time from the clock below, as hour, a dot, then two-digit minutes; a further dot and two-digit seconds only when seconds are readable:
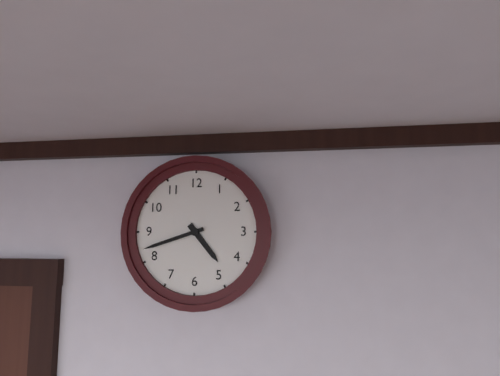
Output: 4.42
